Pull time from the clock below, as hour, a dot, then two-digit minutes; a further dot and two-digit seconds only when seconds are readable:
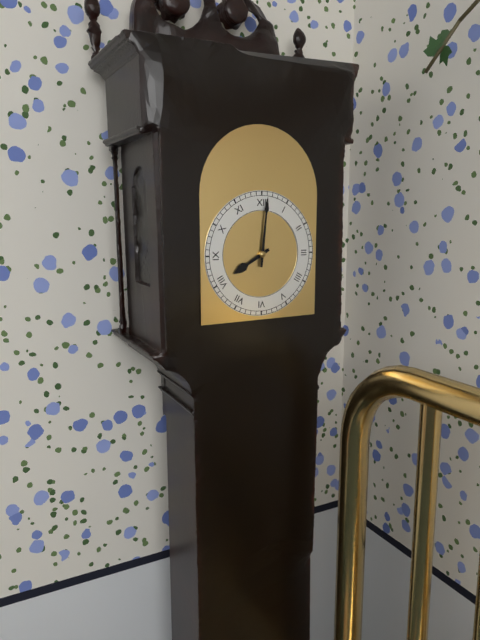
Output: 8.01
